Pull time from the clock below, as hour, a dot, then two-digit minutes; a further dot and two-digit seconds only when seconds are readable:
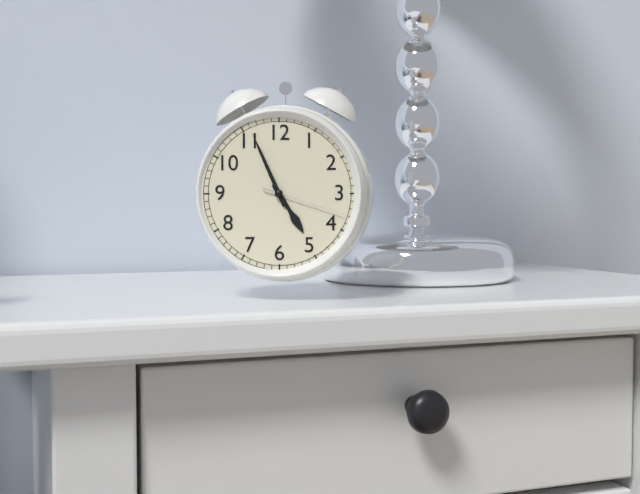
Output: 4.56.18
